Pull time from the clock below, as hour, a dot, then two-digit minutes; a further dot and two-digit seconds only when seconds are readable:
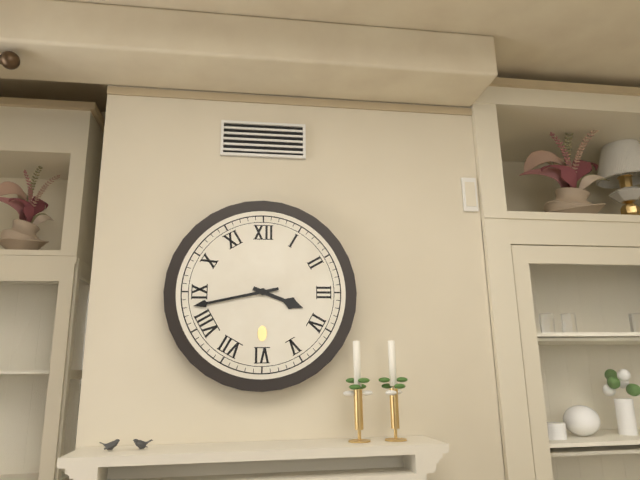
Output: 3.43
